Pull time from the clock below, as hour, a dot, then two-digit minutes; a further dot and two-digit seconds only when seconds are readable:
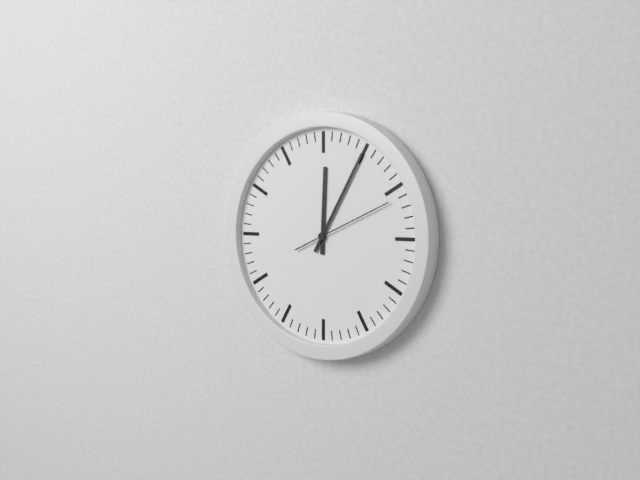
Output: 12.05.11
